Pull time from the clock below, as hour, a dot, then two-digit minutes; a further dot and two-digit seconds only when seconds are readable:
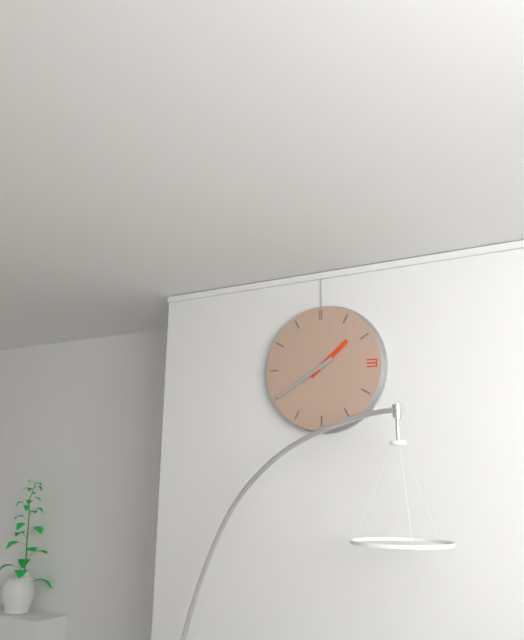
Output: 1.40
